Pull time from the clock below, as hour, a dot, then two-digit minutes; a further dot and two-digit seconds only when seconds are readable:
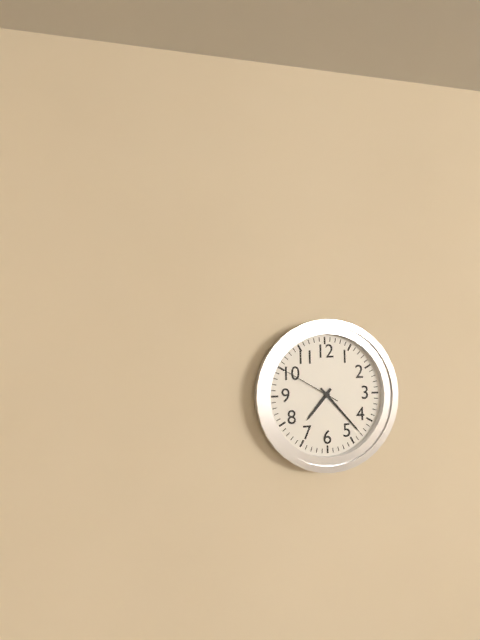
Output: 7.23.50
